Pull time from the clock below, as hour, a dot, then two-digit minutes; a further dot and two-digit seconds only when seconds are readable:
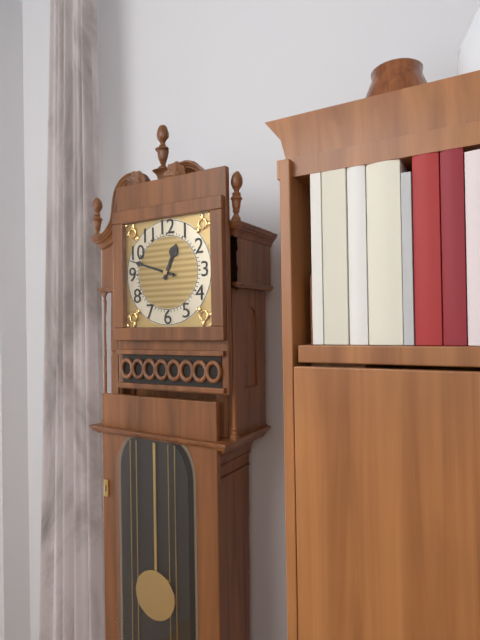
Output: 12.48
